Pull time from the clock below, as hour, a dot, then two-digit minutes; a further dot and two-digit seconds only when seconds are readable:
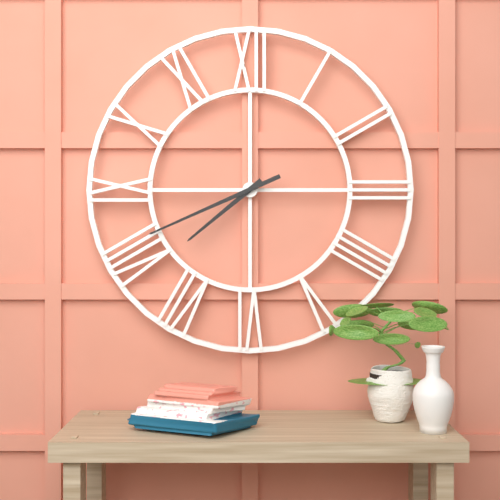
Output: 7.41
